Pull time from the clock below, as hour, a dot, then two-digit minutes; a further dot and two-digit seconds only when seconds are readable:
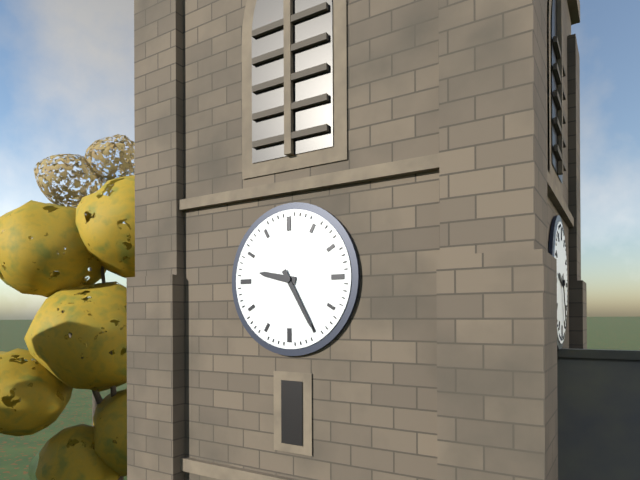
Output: 9.25
